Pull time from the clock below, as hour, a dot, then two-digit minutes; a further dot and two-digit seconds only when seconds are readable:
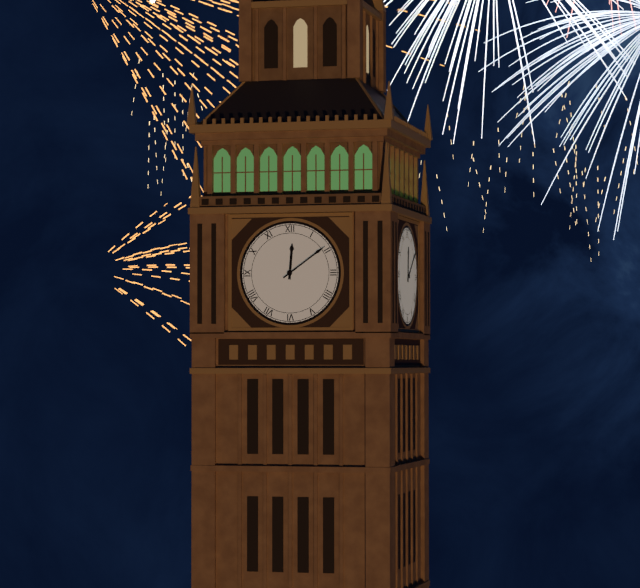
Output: 12.09
